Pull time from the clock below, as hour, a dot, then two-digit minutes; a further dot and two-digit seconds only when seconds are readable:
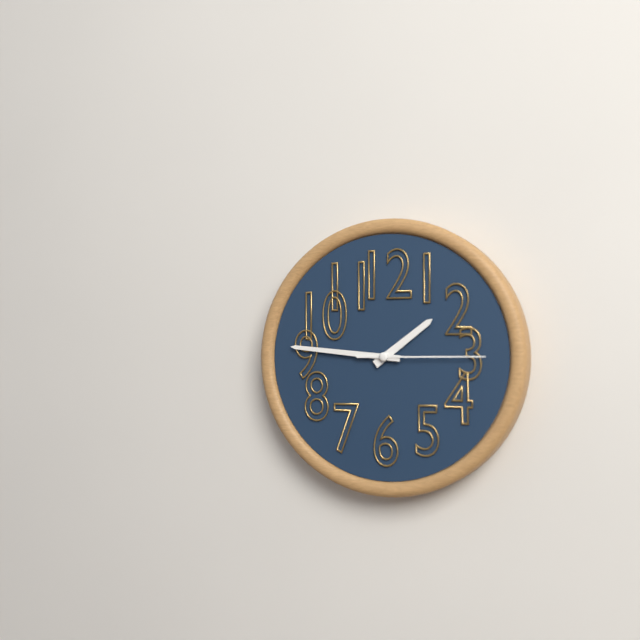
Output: 1.46.15
